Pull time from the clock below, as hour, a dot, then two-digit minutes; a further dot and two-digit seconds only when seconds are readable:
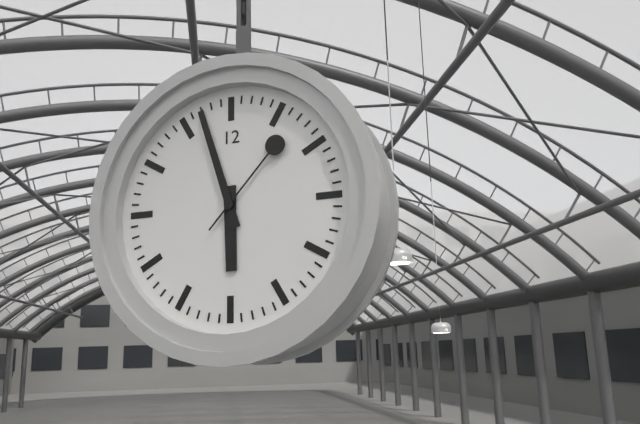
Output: 5.57.07
